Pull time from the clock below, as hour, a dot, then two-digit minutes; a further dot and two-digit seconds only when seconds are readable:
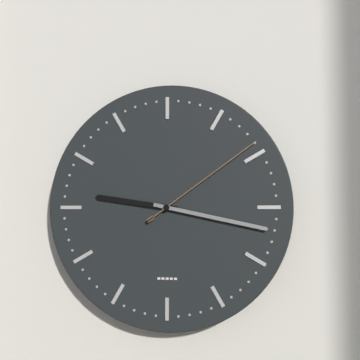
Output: 9.17.09
